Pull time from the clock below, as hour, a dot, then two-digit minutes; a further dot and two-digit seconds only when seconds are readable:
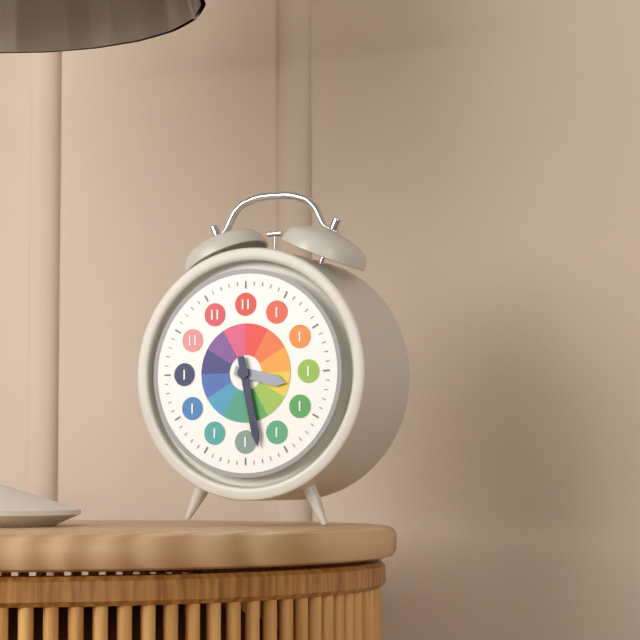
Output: 3.28
